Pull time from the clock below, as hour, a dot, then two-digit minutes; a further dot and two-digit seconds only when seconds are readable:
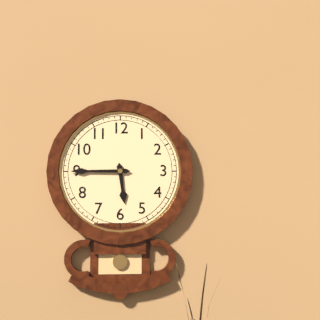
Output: 5.45
